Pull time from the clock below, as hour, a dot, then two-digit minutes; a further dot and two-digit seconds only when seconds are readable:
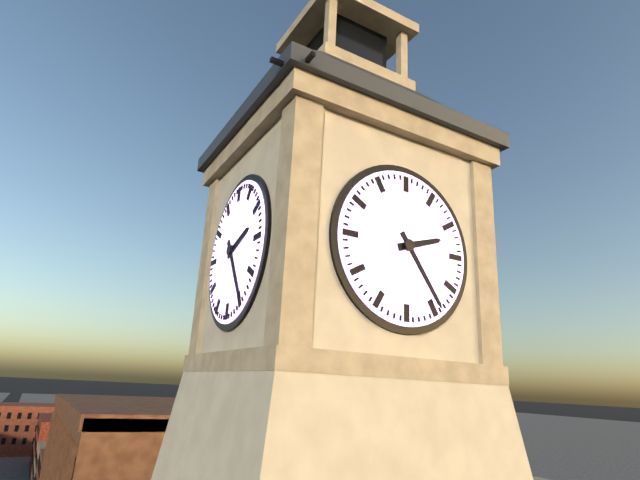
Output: 2.24
